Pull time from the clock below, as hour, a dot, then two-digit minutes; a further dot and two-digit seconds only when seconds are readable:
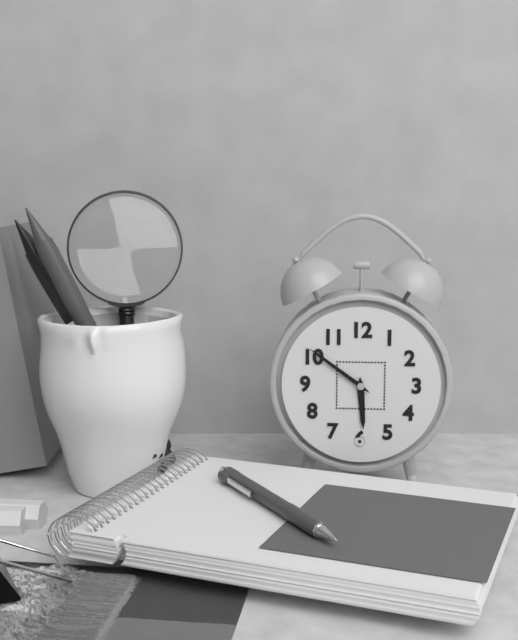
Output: 5.51
